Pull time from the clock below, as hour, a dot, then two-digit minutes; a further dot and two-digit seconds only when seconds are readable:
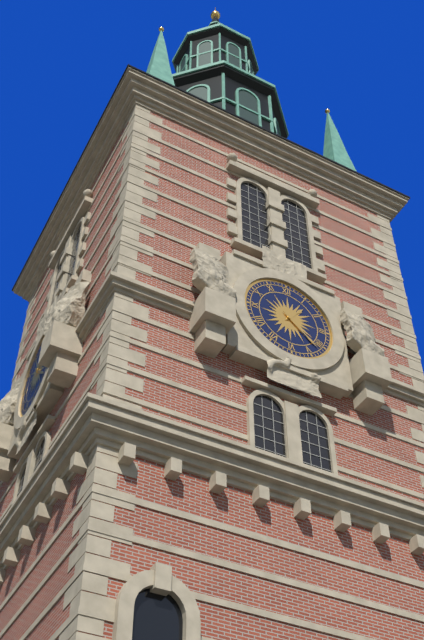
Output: 1.22
